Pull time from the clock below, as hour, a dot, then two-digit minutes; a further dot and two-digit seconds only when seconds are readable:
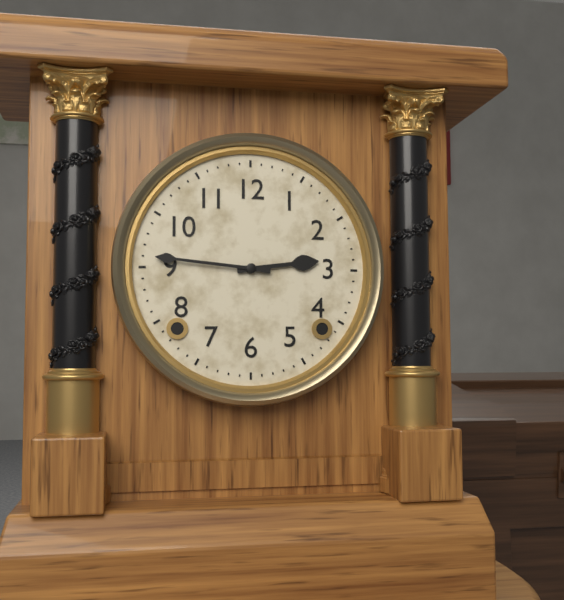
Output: 2.46
